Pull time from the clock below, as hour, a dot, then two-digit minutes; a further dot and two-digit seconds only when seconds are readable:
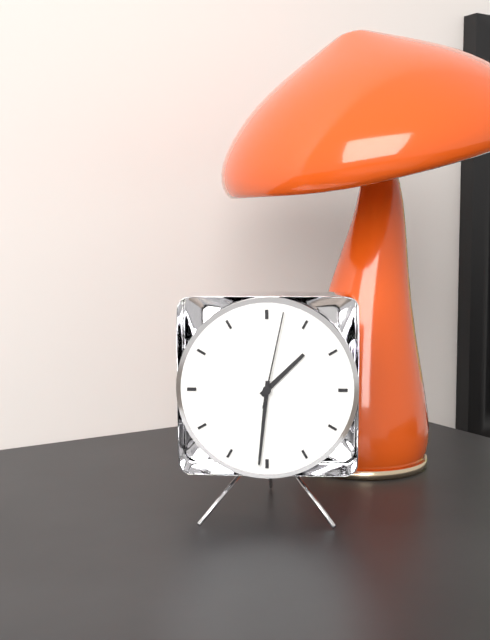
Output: 1.31.02
